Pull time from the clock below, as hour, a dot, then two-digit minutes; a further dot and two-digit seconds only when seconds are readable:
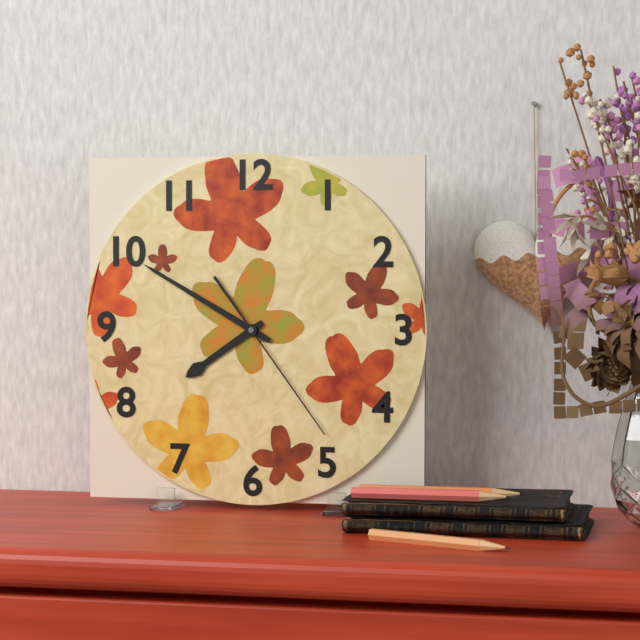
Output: 7.50.24
